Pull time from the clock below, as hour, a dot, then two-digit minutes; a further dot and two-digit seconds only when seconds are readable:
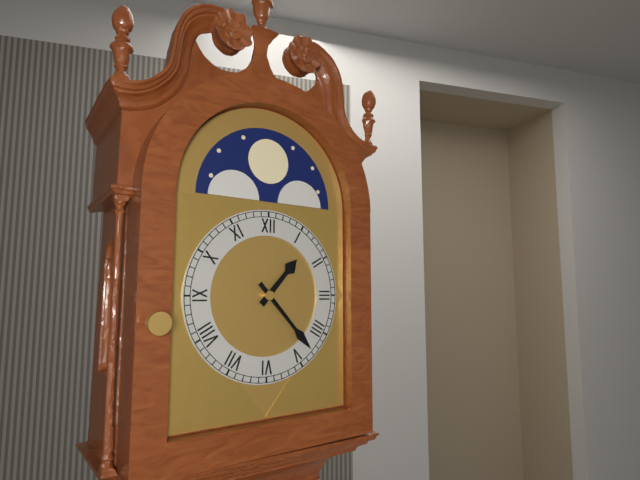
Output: 1.23
